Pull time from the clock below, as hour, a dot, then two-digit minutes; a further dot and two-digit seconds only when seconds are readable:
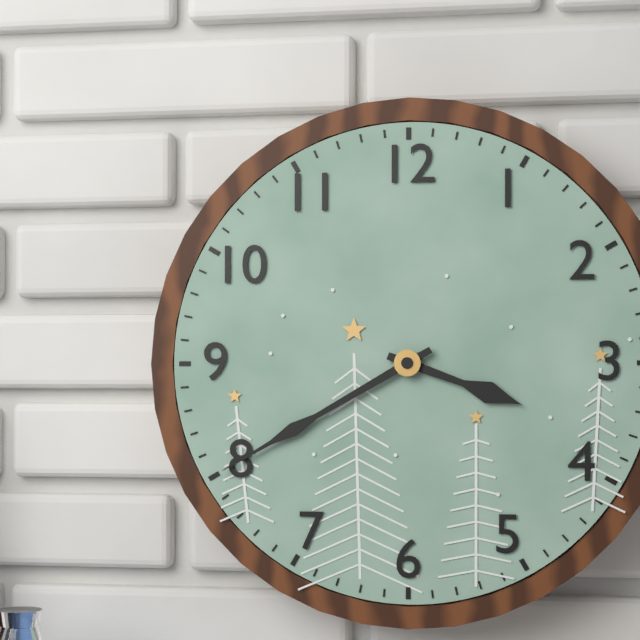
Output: 3.40
